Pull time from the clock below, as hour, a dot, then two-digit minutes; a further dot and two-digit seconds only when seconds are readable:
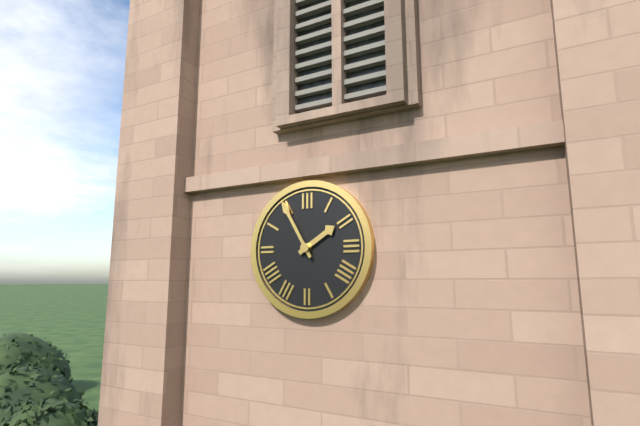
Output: 1.55
